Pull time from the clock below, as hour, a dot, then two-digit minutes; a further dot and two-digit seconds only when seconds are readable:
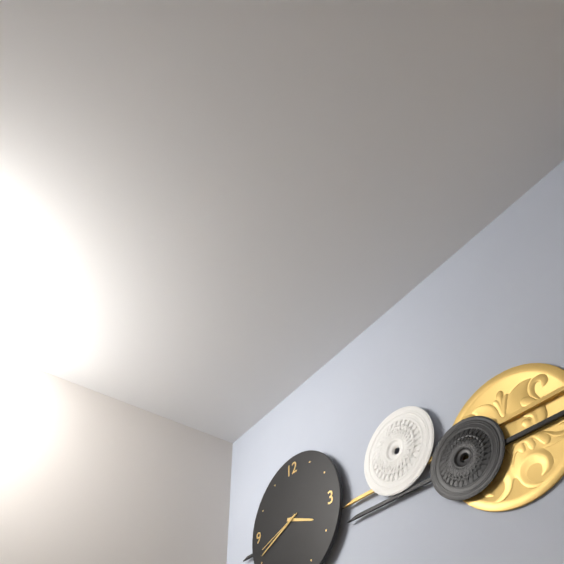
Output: 3.41.42
